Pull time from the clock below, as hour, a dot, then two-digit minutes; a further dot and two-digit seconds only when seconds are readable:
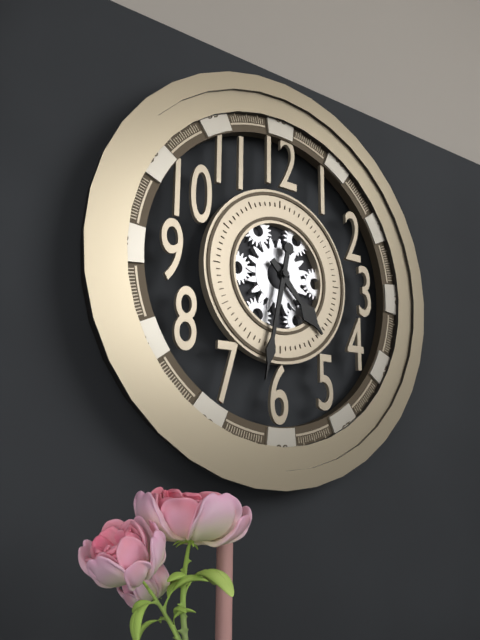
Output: 4.32
